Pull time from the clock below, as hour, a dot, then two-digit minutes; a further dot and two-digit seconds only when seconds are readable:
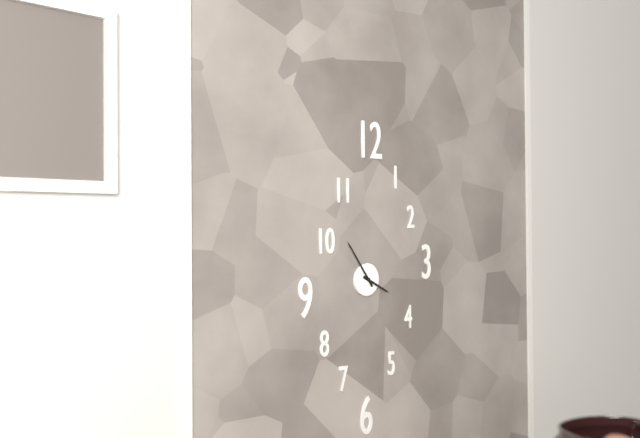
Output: 3.54
